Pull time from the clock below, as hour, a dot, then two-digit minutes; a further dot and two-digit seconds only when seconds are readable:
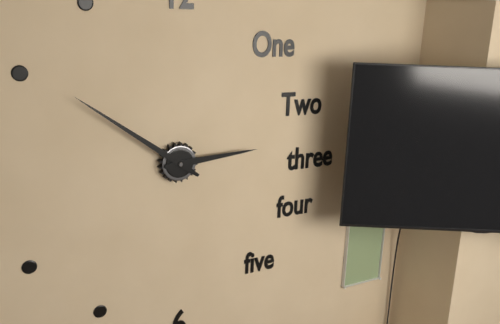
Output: 2.51
